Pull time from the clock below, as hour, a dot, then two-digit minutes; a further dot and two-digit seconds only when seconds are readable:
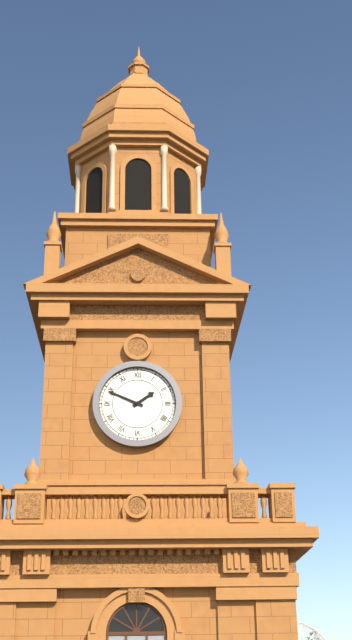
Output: 1.49
